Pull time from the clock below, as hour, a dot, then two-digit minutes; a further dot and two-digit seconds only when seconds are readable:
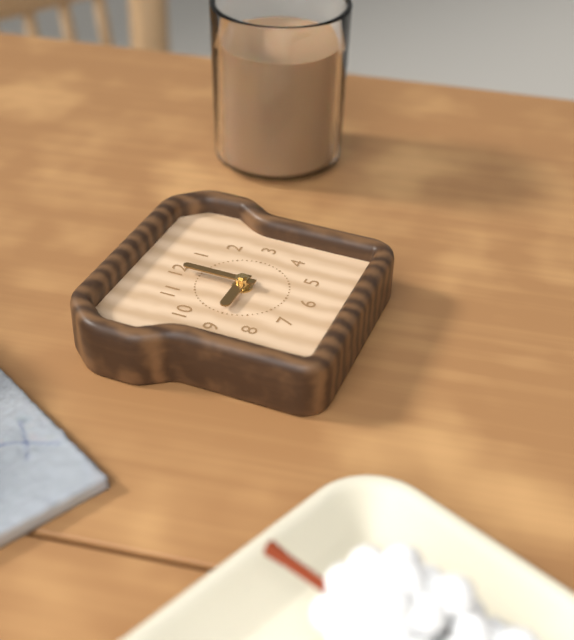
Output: 9.00
